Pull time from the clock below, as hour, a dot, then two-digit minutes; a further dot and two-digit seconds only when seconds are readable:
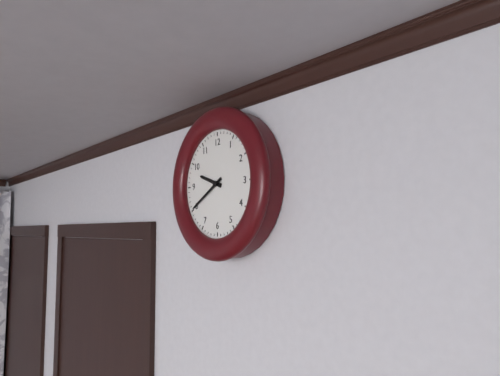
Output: 9.40
